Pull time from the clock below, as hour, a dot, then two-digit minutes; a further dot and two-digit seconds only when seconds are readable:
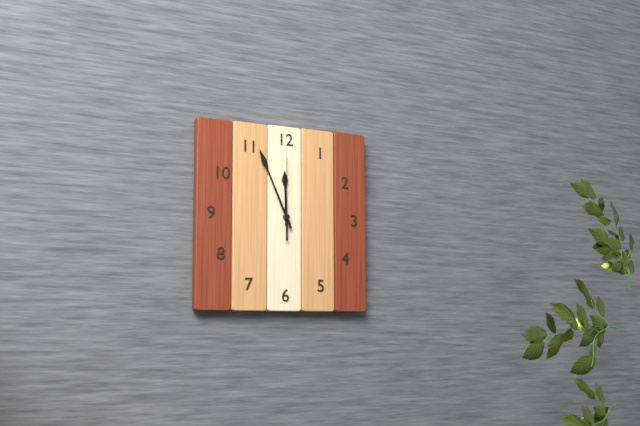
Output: 11.56.00
